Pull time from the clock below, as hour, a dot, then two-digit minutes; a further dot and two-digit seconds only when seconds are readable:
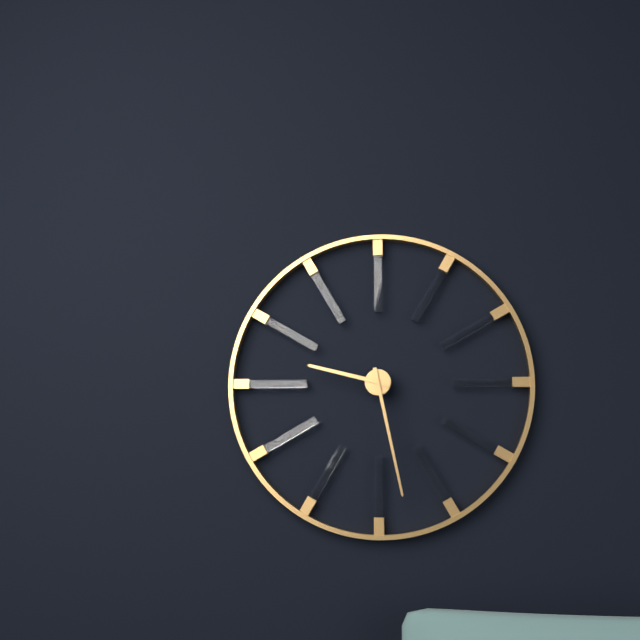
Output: 9.28
